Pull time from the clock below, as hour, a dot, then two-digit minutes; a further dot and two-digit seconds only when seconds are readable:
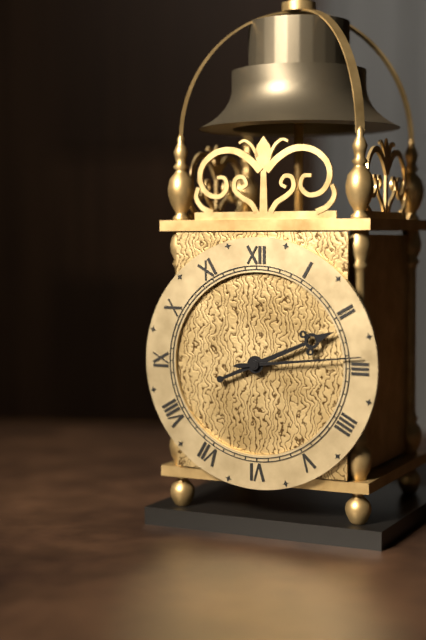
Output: 2.14
